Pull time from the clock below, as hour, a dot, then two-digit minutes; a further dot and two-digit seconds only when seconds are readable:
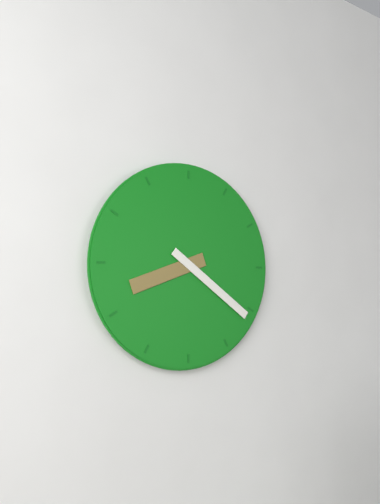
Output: 8.21
